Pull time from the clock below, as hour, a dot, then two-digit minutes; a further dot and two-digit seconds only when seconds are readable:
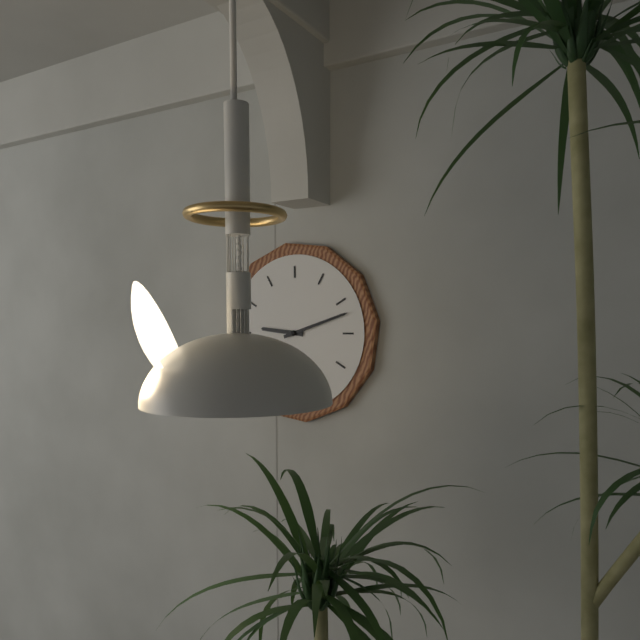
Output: 9.12
